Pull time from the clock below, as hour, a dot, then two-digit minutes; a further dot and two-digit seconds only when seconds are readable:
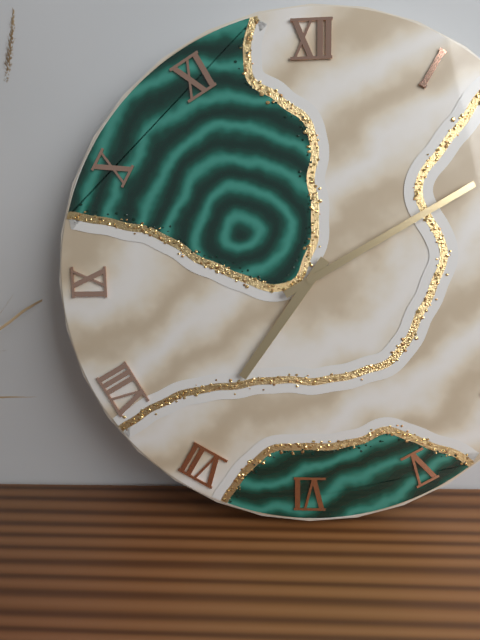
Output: 7.10
